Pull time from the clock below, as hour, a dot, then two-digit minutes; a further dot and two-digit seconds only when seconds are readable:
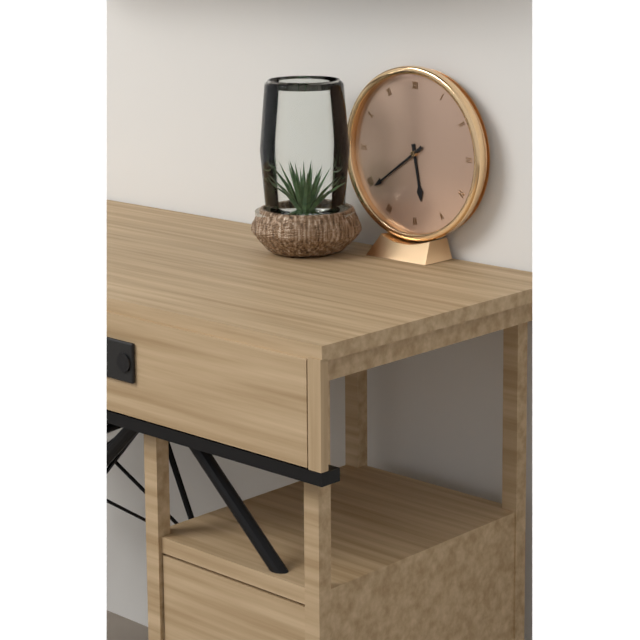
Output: 5.39
